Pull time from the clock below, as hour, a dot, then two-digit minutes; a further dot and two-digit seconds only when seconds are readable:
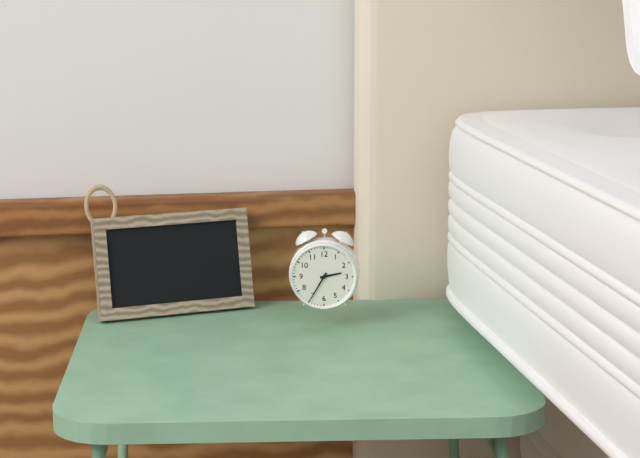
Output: 2.35
